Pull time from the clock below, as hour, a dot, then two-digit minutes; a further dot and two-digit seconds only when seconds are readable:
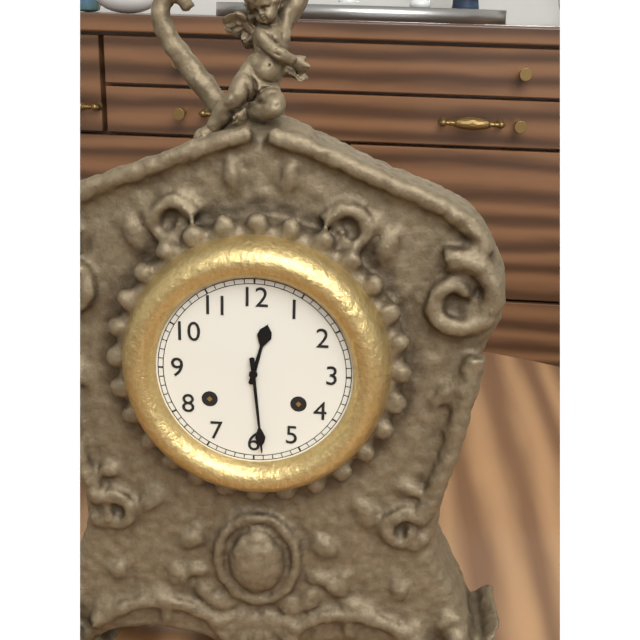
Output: 12.29
